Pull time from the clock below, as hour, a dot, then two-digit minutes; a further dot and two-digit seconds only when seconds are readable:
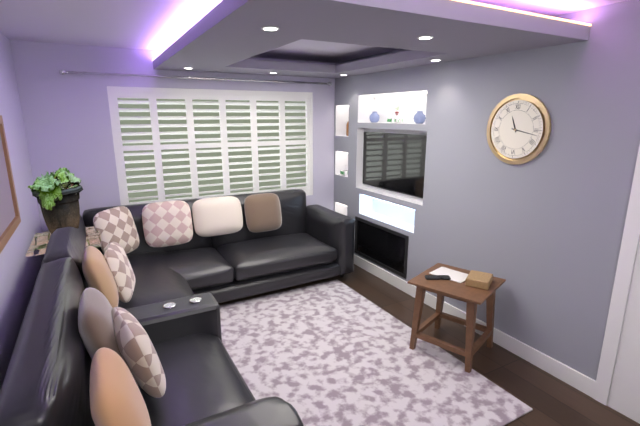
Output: 11.17
